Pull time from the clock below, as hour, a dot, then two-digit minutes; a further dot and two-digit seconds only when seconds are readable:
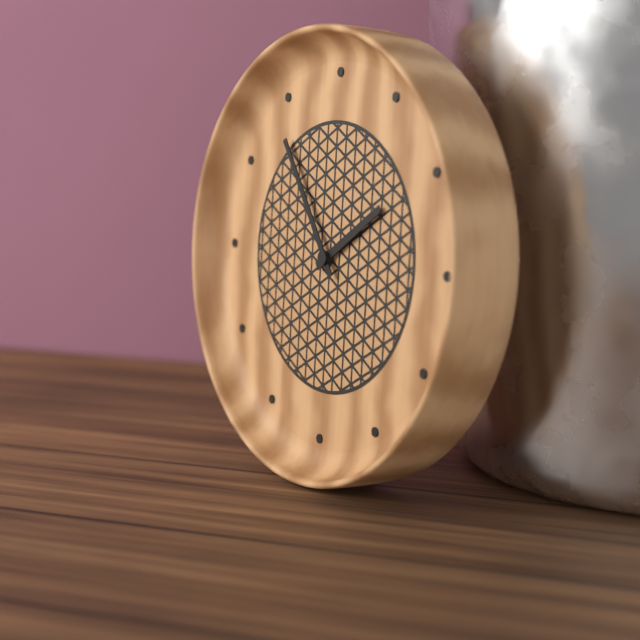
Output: 1.54
